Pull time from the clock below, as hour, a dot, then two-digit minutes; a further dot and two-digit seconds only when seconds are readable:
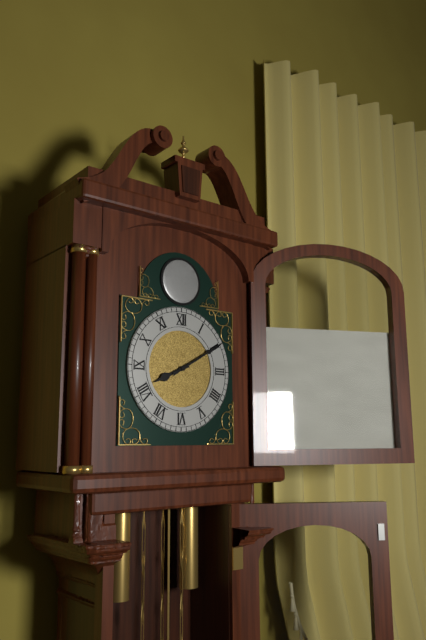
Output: 8.10
